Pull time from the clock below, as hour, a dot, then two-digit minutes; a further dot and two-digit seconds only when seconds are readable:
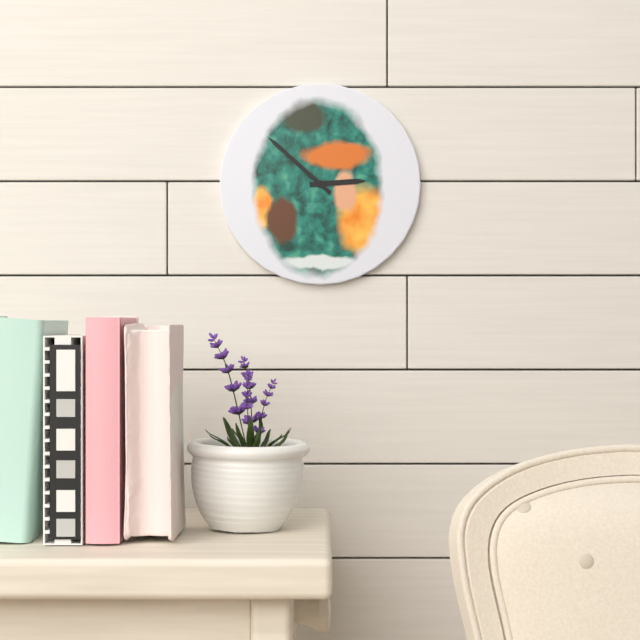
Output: 2.52
